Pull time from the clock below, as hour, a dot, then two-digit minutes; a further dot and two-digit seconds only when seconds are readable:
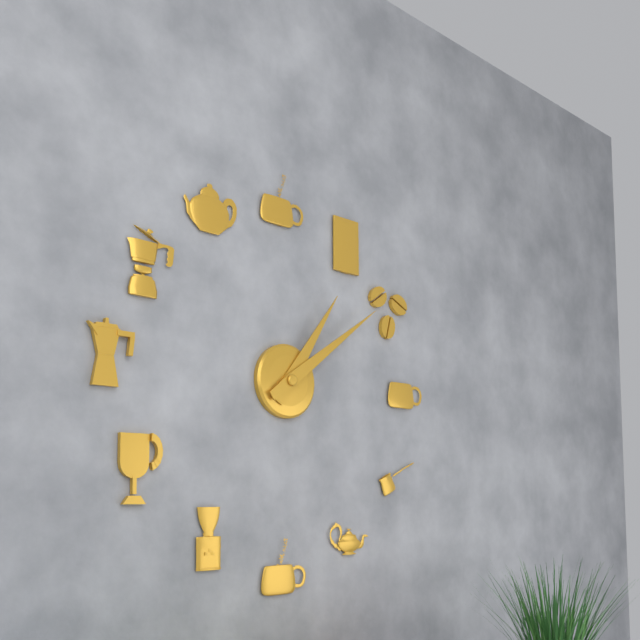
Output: 1.09
